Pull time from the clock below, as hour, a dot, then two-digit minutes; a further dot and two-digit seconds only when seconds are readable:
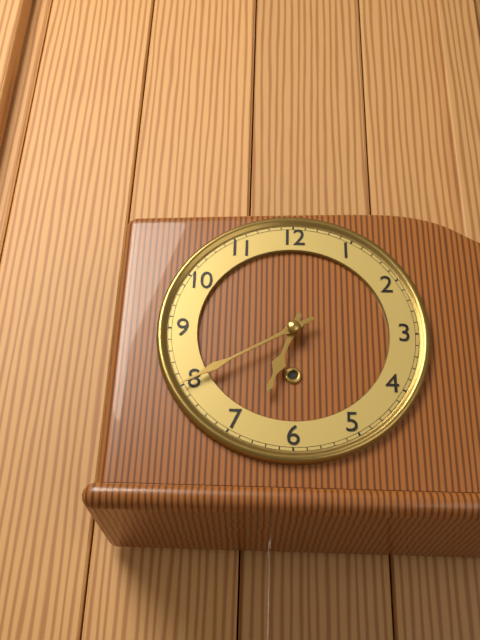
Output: 6.40
